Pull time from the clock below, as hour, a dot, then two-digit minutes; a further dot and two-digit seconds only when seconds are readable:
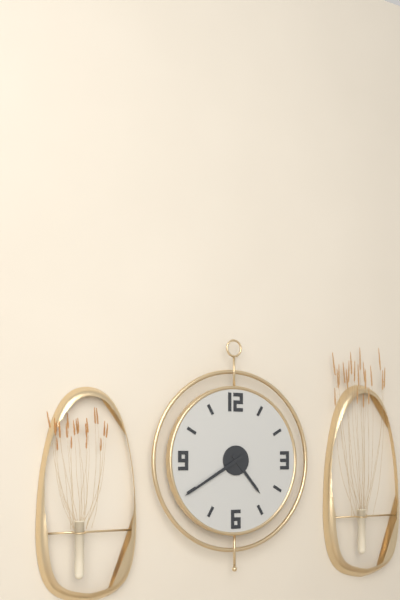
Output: 4.40
